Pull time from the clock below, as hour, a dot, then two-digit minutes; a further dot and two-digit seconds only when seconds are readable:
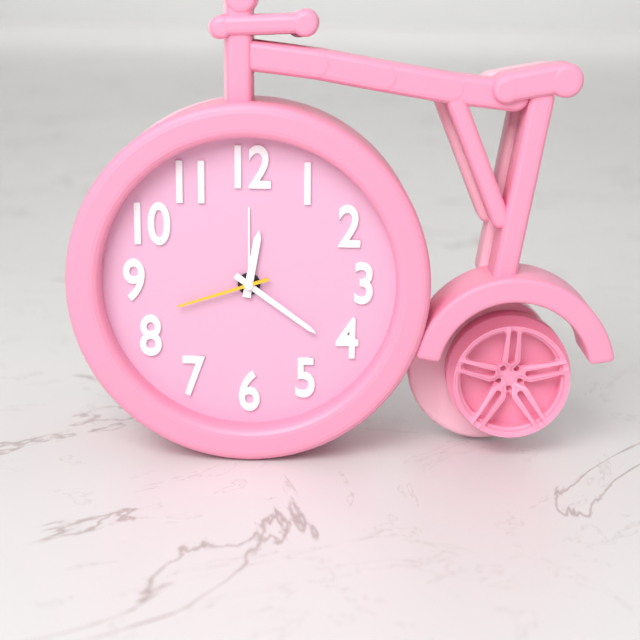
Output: 12.21.42
